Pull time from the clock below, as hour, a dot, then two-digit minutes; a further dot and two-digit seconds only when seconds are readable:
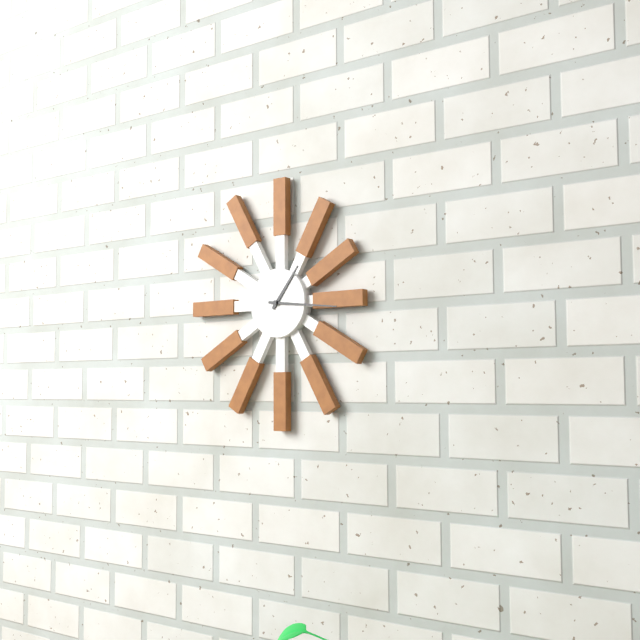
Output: 1.16
